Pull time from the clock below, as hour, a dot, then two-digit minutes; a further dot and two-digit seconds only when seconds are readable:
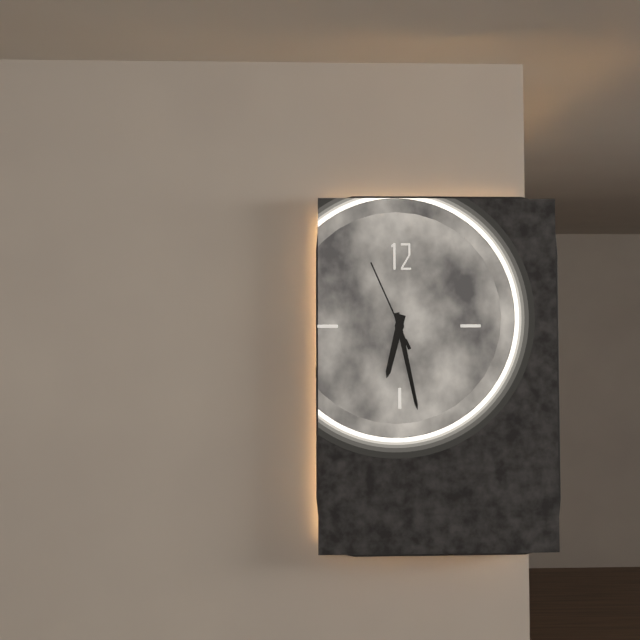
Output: 6.28.56
